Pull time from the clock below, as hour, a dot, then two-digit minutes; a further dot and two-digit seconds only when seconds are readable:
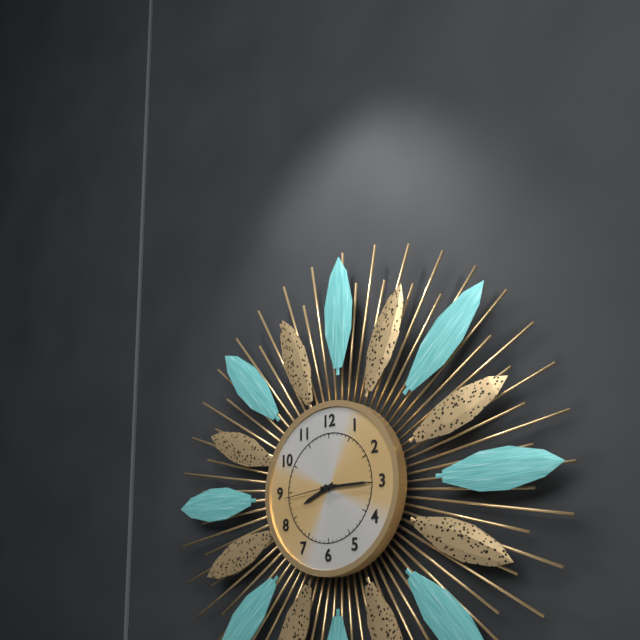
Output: 8.15.44
